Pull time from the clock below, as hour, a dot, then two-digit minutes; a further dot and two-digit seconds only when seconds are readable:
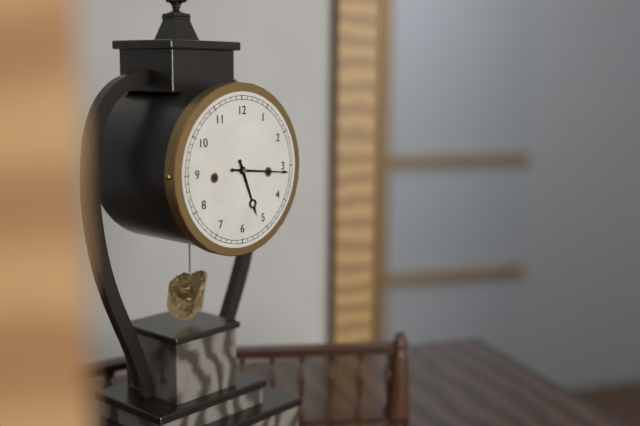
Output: 5.16
